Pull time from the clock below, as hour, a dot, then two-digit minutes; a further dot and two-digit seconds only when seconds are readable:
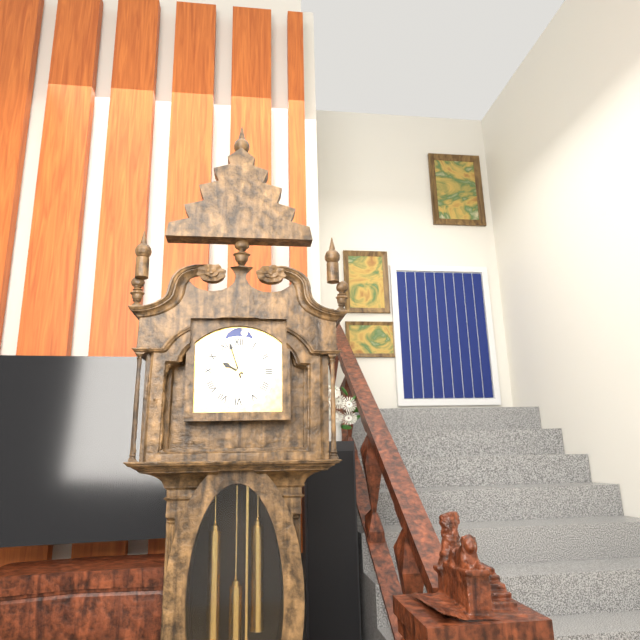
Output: 9.57
